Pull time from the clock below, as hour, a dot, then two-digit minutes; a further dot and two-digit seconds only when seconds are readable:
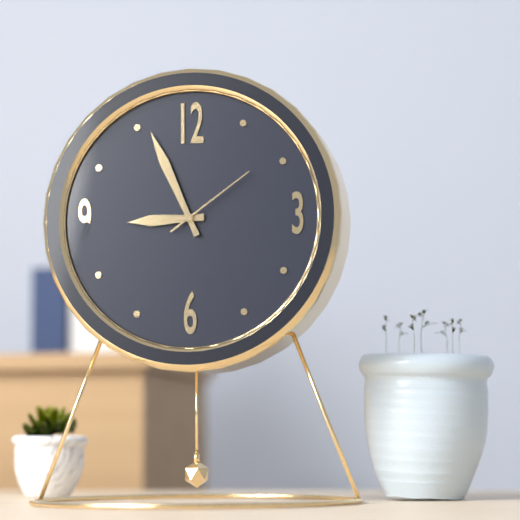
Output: 8.56.09
